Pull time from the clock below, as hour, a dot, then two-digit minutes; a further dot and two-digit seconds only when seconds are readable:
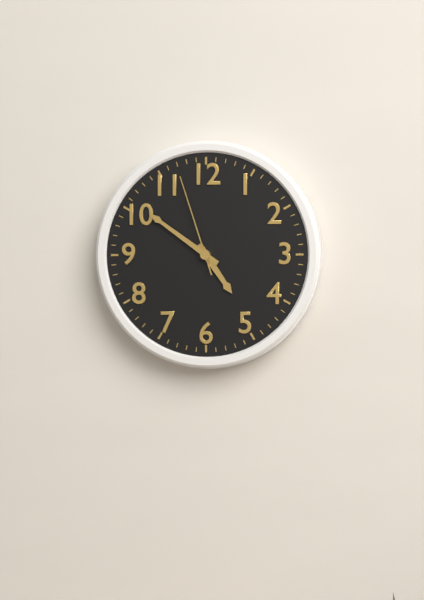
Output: 4.51.57
